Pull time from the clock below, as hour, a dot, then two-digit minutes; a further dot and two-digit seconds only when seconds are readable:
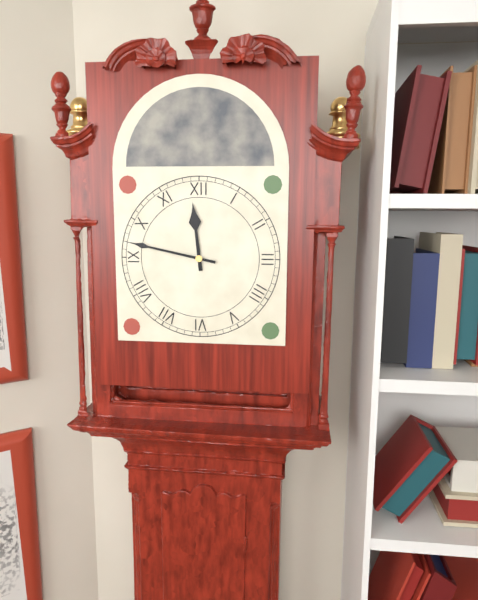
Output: 11.47
